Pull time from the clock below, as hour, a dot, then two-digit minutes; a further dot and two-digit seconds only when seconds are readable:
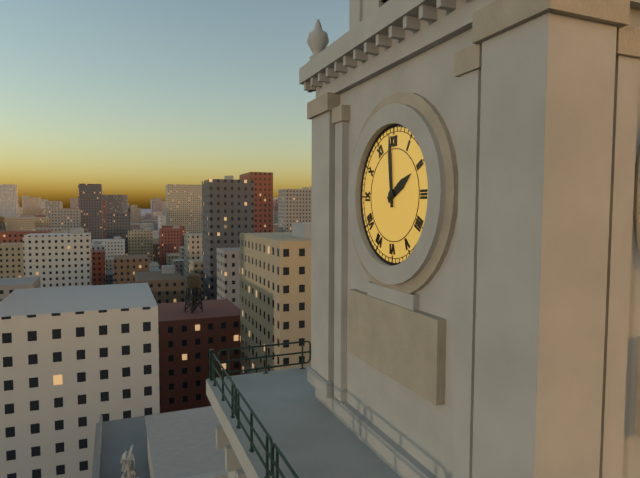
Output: 1.59
